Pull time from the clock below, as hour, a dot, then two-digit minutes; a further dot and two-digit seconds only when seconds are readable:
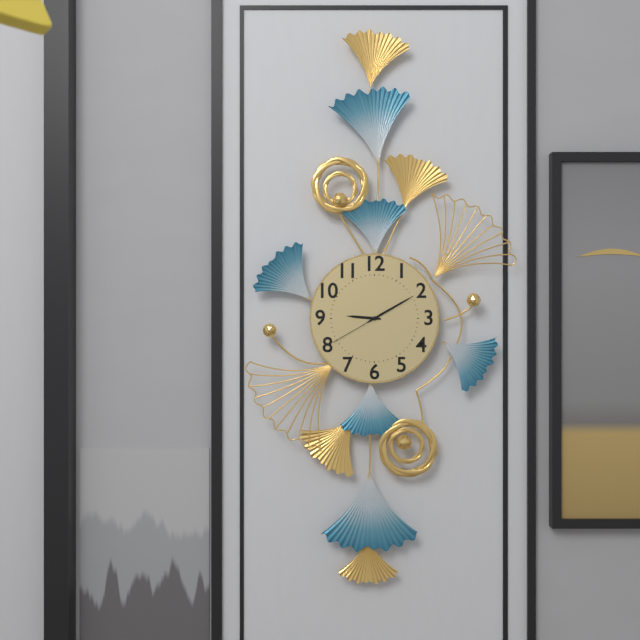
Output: 9.10.40
